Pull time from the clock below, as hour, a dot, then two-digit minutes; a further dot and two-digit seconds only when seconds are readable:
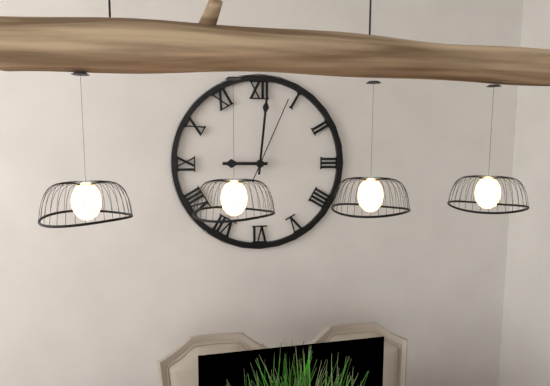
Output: 9.01.04
